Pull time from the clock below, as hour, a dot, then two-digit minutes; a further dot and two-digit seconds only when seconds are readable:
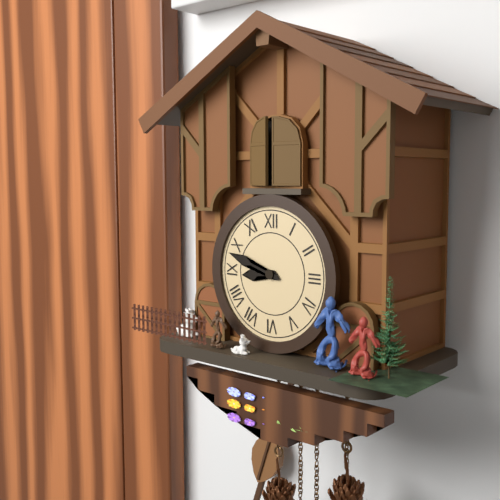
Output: 8.48
